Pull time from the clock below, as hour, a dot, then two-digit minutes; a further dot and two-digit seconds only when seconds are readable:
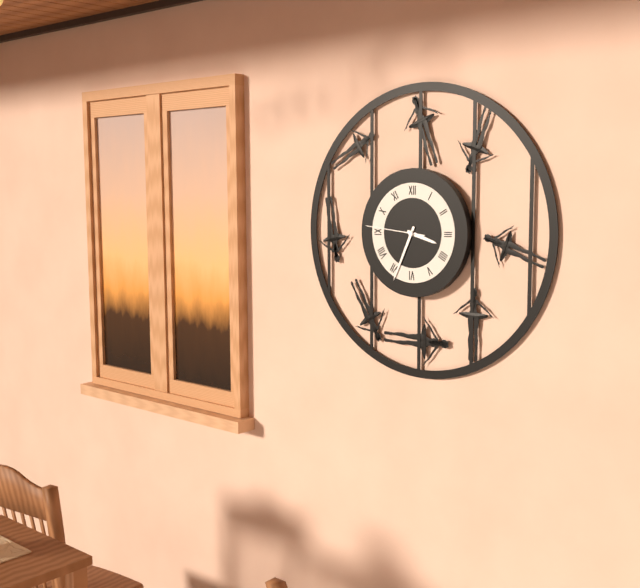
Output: 3.34.46
